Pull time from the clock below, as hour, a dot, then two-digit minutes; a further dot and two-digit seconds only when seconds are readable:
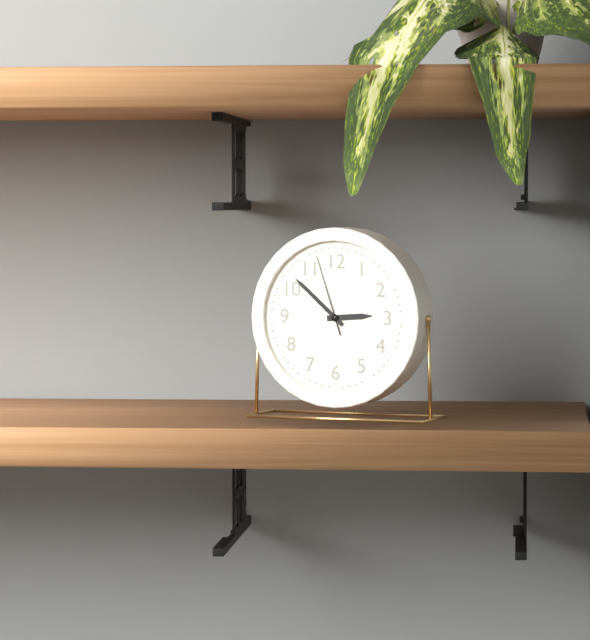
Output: 2.52.57
